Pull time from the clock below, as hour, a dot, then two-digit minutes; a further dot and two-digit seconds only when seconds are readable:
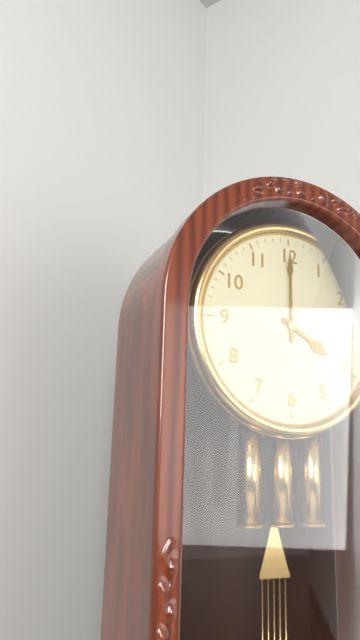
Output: 4.00
